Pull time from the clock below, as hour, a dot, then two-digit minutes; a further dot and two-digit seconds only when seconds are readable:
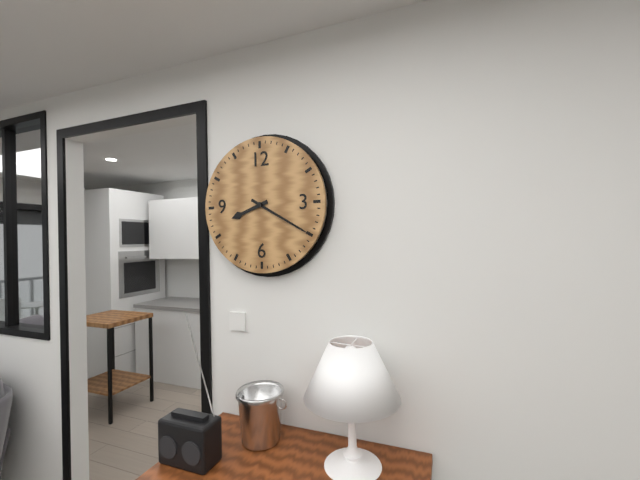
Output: 8.20
